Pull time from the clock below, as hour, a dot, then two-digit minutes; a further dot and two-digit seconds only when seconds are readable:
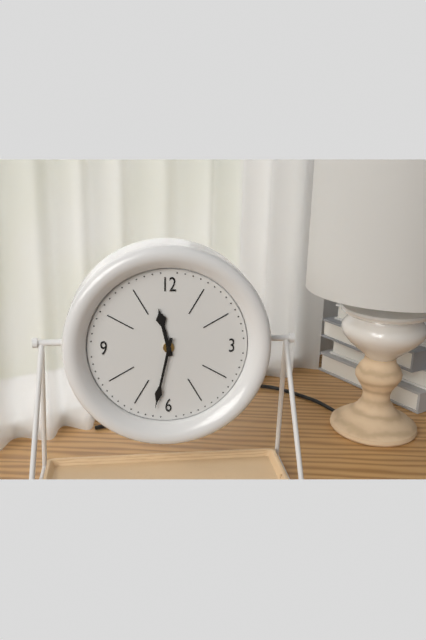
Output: 11.32
